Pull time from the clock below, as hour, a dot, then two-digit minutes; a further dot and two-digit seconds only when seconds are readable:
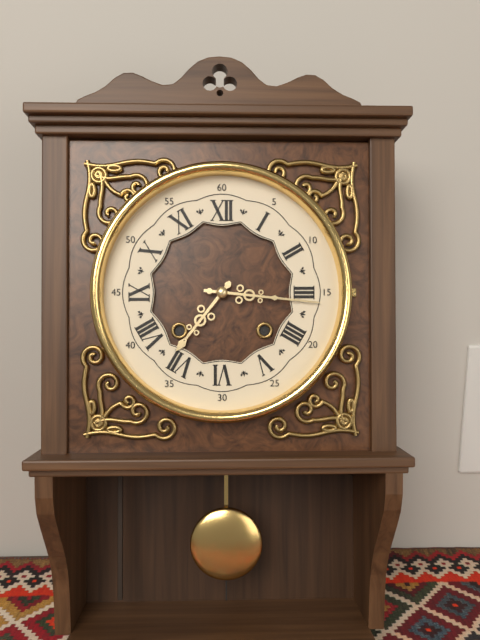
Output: 7.16
